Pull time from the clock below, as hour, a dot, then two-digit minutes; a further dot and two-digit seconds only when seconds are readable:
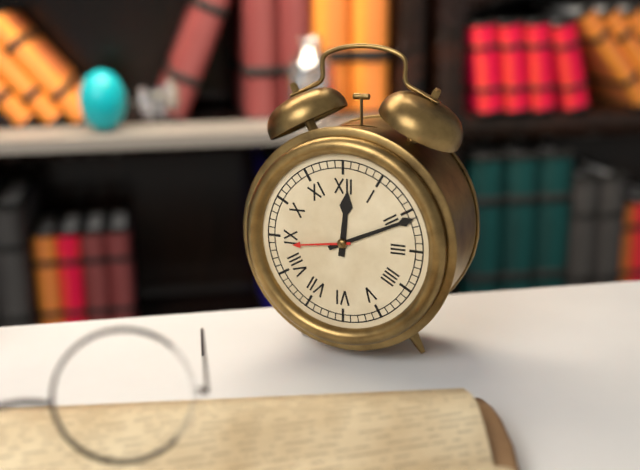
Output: 12.11
